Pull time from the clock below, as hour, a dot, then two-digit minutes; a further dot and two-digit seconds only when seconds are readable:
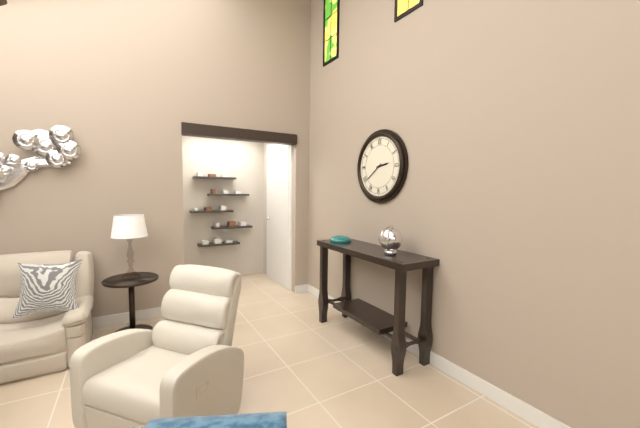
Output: 2.39
